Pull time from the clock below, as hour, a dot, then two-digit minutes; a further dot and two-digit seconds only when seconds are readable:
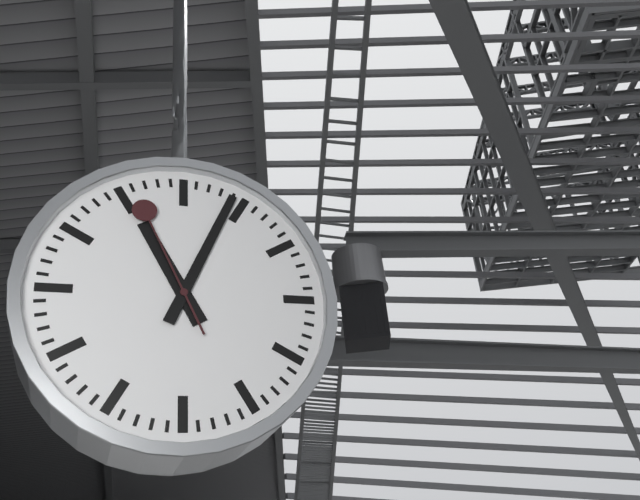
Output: 11.04.56
